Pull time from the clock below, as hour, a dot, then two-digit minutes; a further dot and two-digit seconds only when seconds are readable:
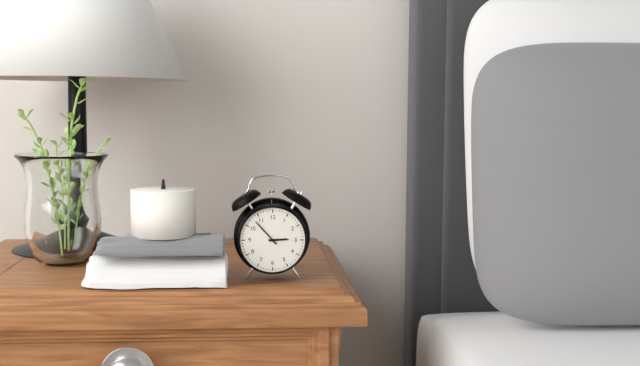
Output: 2.53
